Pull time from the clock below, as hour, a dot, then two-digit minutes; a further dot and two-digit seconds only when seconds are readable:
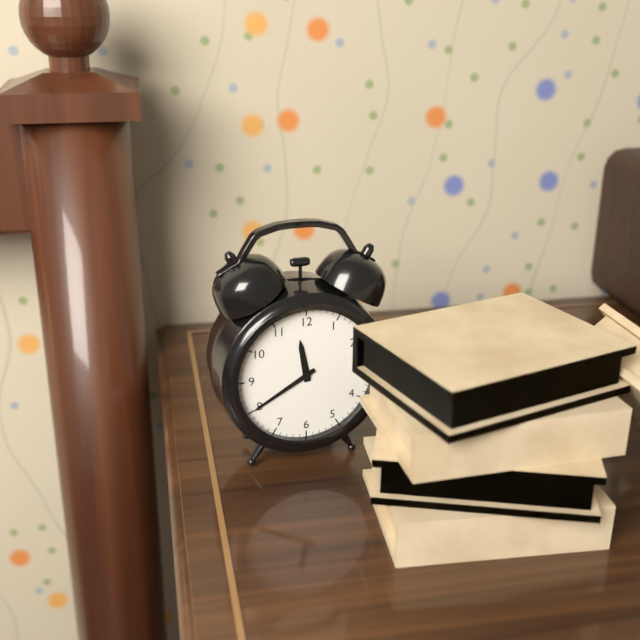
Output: 11.40
